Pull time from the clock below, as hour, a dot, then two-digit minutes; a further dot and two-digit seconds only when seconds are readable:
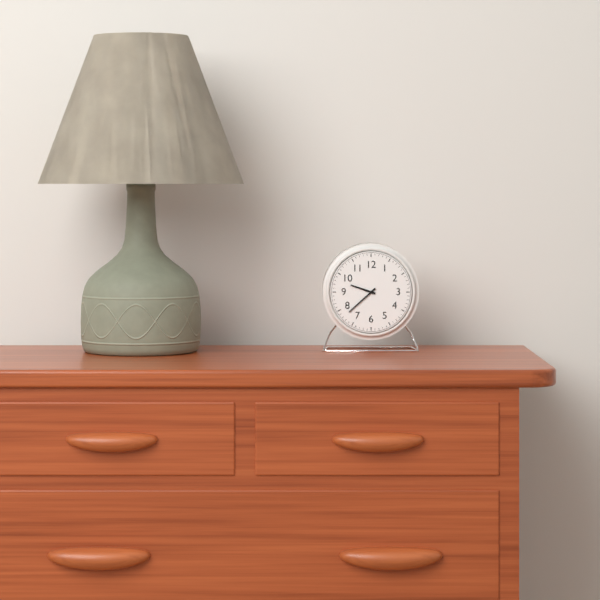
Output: 9.38
